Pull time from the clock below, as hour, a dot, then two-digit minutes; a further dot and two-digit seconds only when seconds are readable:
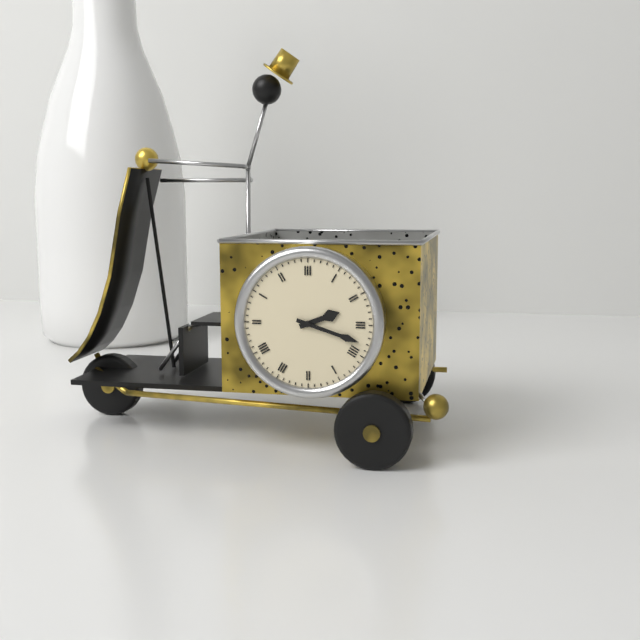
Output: 2.18
